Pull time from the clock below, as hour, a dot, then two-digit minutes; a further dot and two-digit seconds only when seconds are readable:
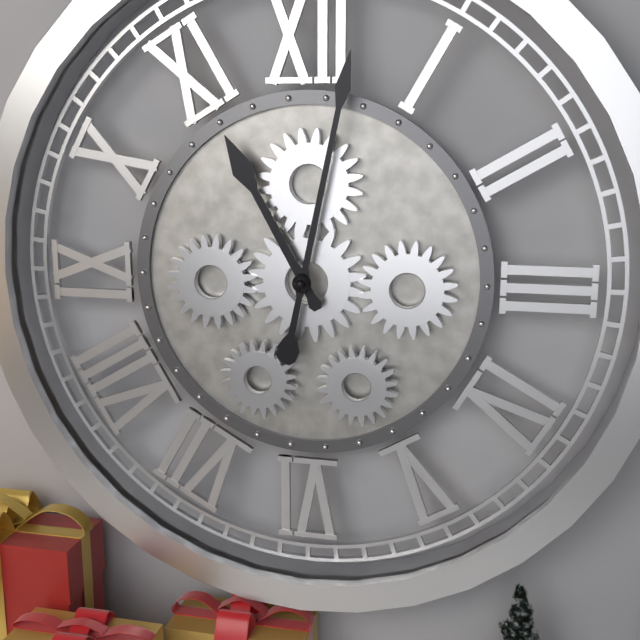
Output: 11.02
